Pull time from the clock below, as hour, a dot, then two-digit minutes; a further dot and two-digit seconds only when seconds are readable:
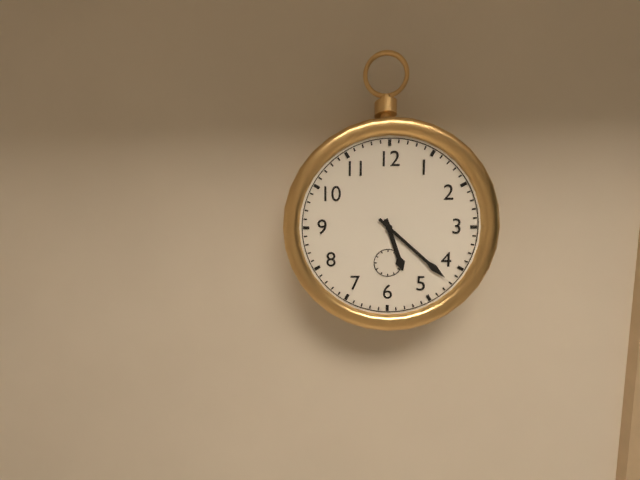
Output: 5.22
